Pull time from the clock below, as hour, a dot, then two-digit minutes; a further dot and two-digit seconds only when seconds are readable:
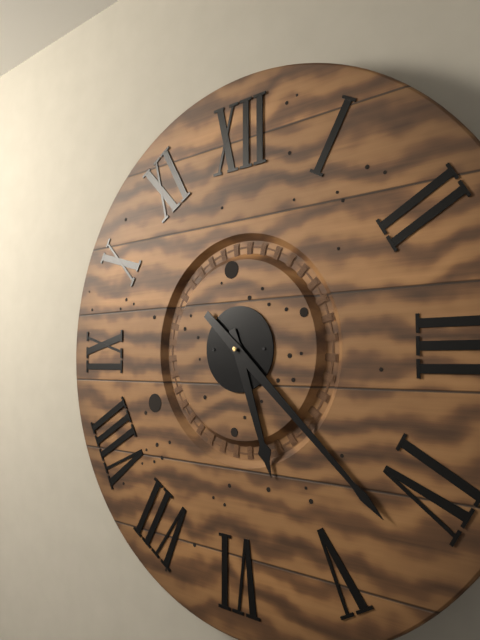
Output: 5.22
